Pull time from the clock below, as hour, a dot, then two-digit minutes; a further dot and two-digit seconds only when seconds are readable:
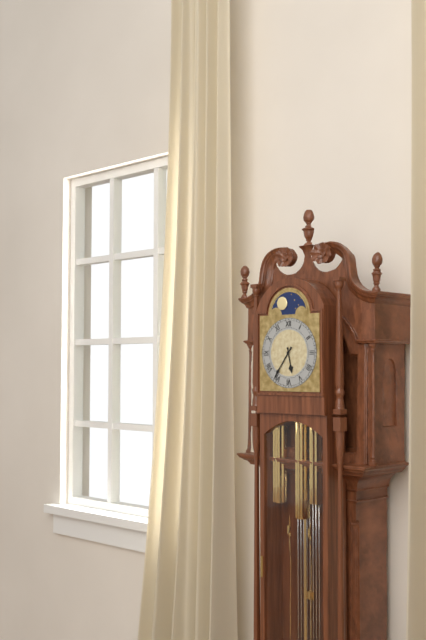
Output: 5.36
